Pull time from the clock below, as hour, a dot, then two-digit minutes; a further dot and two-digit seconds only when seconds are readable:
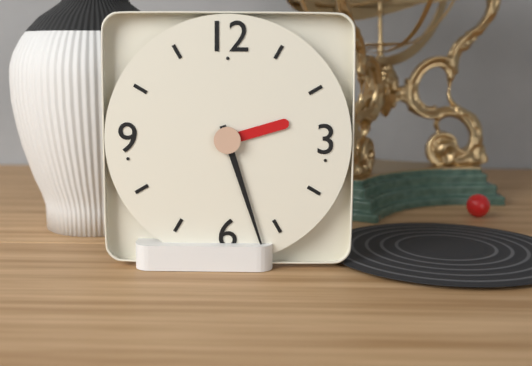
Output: 2.27
